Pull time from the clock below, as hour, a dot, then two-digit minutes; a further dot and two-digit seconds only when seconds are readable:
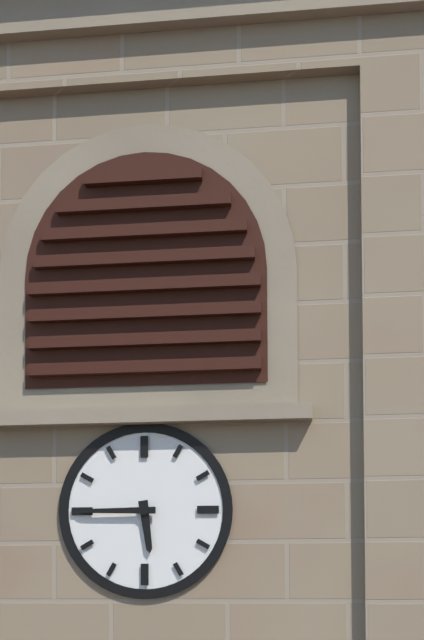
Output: 5.45
